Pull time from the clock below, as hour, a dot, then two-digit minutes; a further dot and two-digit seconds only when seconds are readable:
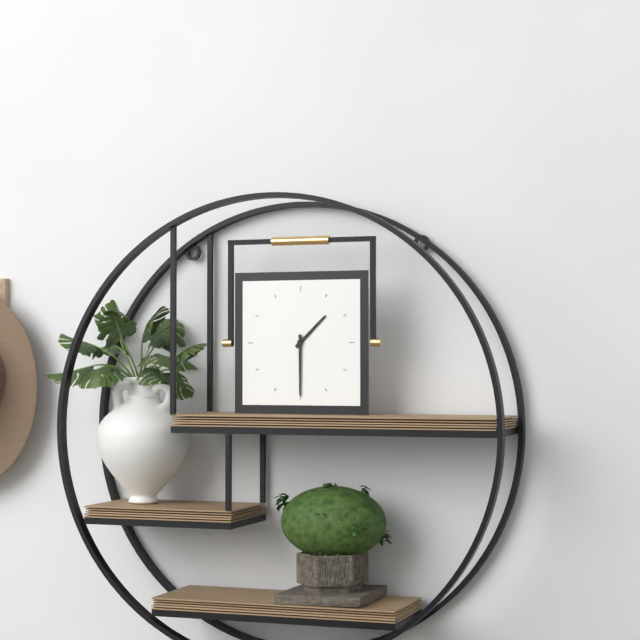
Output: 1.30
